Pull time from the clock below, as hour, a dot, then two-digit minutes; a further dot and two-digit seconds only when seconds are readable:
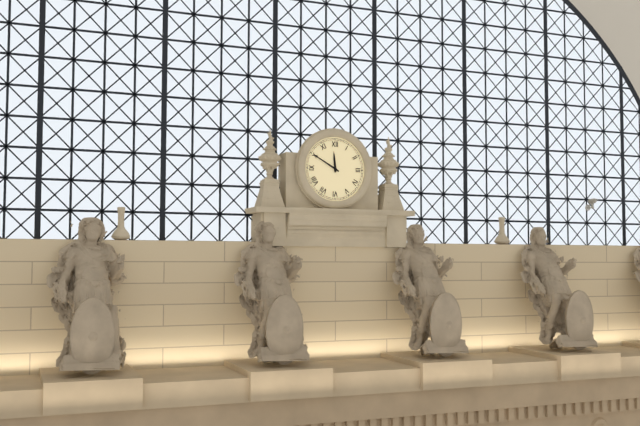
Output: 11.50
